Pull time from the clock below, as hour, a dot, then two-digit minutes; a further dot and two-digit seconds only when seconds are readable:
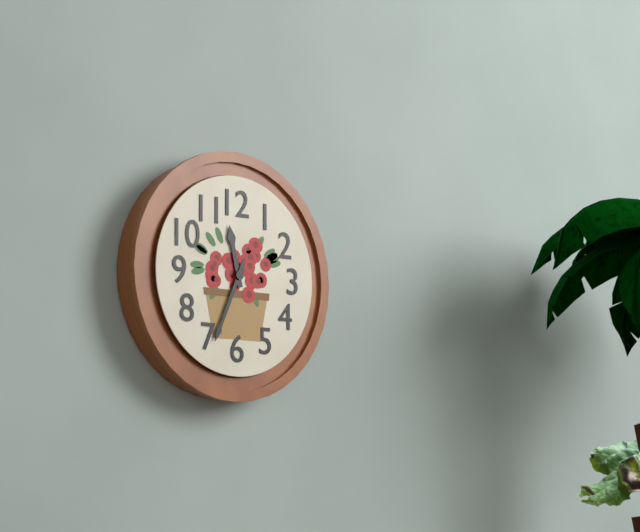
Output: 11.34
